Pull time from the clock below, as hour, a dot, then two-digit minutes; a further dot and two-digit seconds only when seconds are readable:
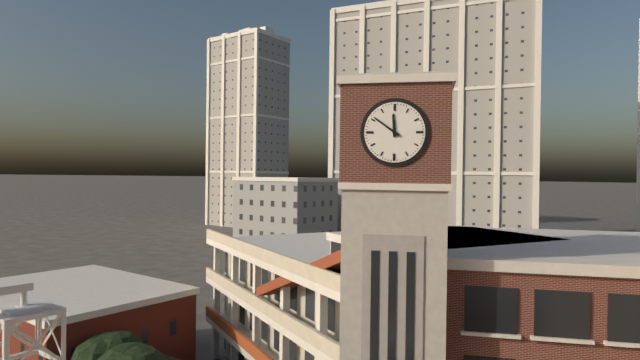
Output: 11.51
